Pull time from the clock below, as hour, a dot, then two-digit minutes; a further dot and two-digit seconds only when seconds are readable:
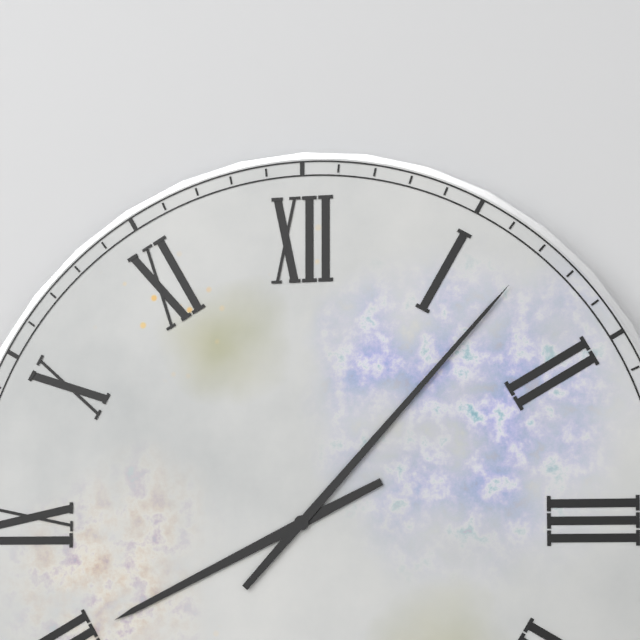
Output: 8.07
